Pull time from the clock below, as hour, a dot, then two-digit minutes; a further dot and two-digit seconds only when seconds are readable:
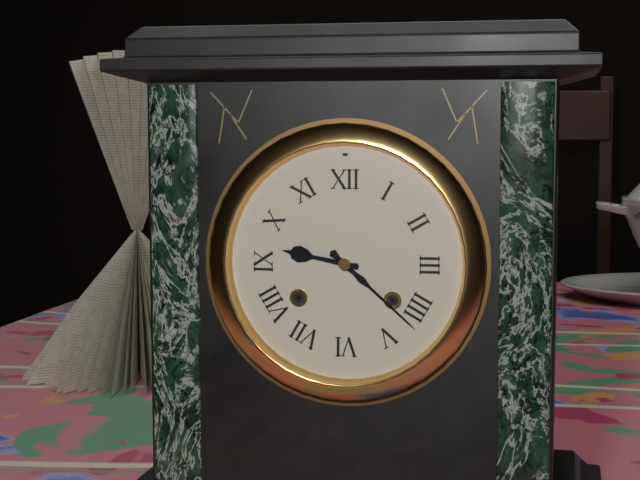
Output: 9.22
